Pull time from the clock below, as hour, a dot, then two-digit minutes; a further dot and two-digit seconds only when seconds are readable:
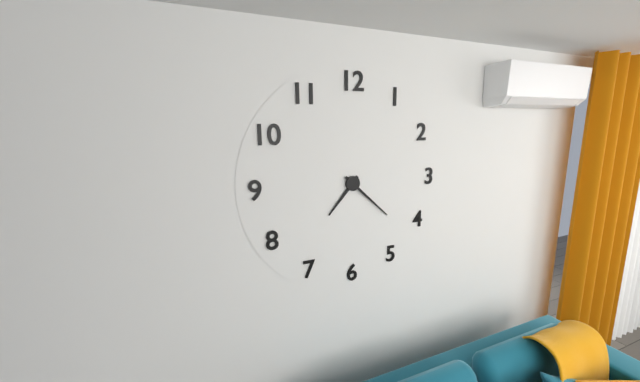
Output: 7.22
